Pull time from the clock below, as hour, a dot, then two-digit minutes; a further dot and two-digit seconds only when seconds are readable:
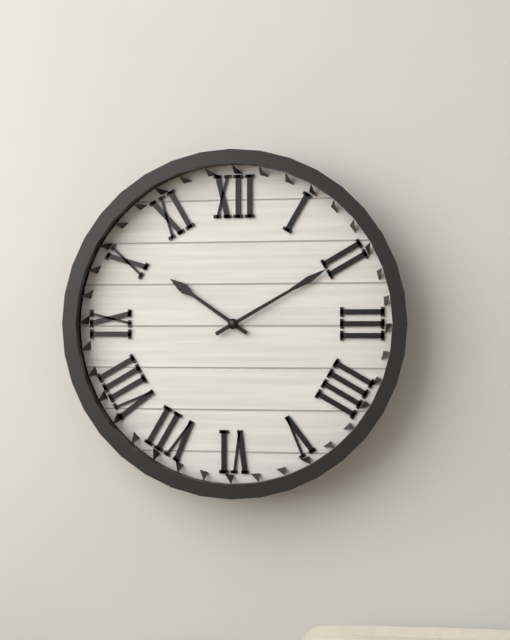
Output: 10.10
